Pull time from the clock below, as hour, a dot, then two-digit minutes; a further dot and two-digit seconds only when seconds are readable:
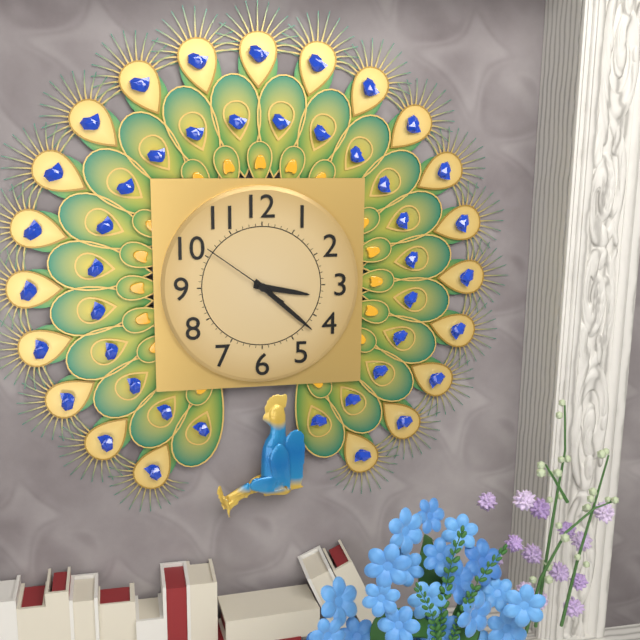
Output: 3.22.51
